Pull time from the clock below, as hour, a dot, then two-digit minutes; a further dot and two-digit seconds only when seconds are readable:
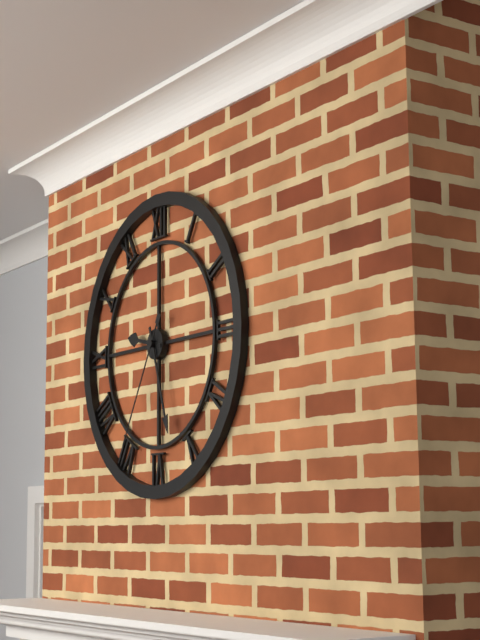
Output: 9.27.35
